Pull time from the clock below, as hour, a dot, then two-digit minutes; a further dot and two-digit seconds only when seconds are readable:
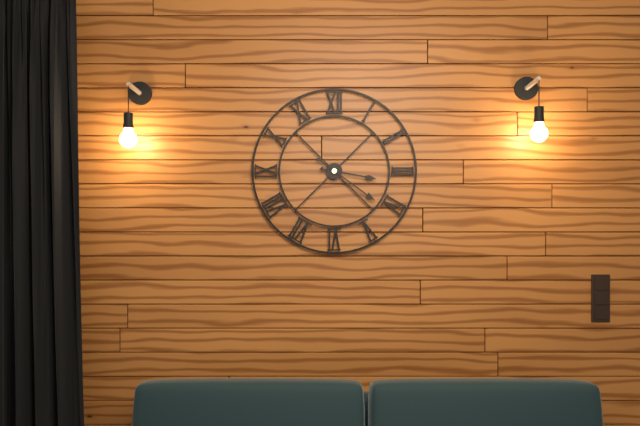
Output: 3.21
